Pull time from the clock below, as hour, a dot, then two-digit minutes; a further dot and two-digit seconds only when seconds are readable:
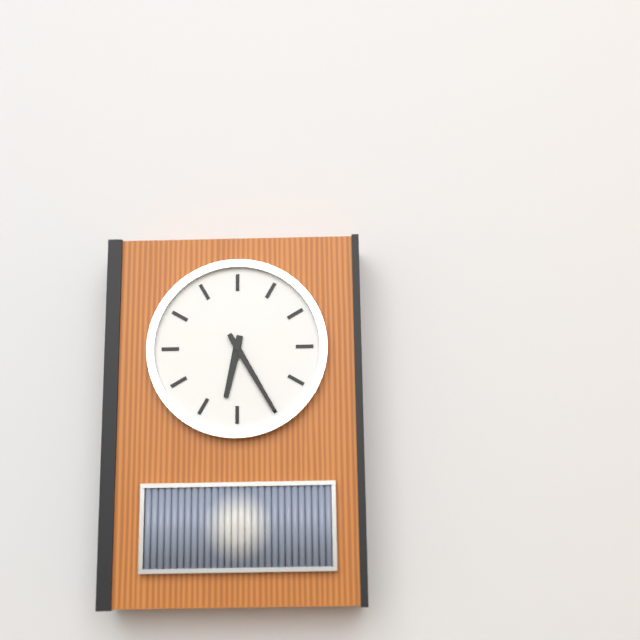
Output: 6.25
